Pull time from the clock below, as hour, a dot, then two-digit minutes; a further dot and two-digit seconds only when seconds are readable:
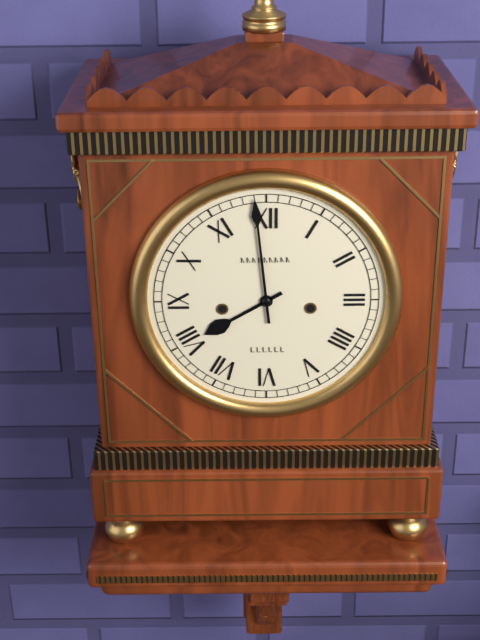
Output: 7.59
